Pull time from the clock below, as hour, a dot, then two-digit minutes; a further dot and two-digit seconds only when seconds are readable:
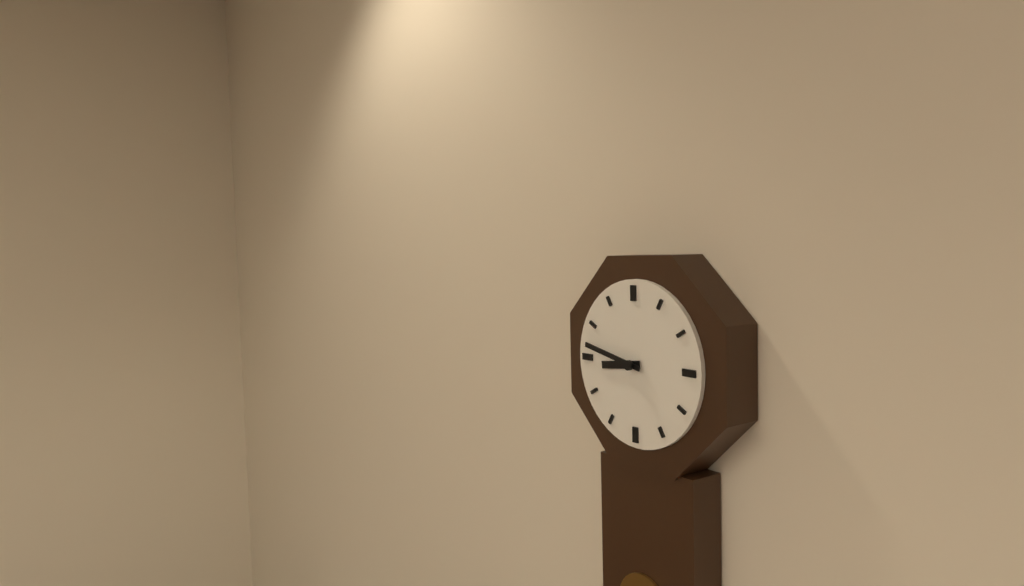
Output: 8.47
